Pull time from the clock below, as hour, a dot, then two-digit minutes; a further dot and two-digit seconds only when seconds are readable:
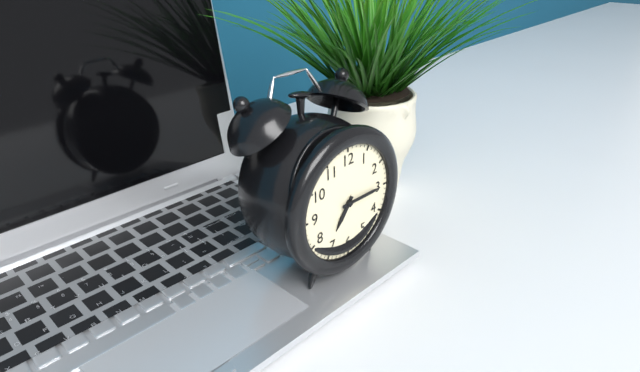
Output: 7.15
